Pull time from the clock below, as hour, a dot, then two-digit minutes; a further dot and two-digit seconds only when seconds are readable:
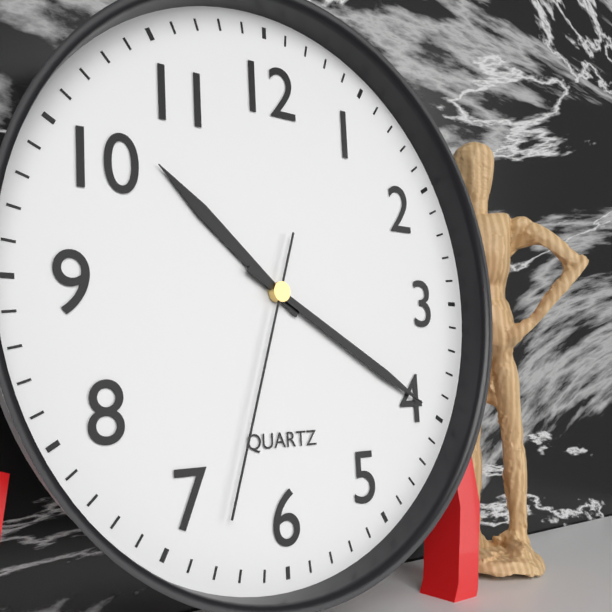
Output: 10.20.33
